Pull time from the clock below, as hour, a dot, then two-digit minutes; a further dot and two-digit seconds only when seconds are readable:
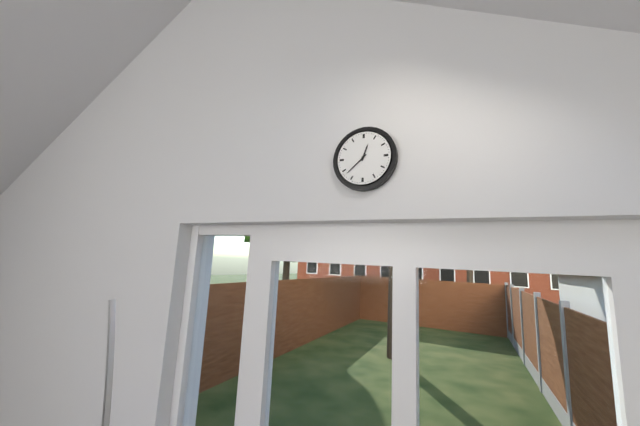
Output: 12.38
